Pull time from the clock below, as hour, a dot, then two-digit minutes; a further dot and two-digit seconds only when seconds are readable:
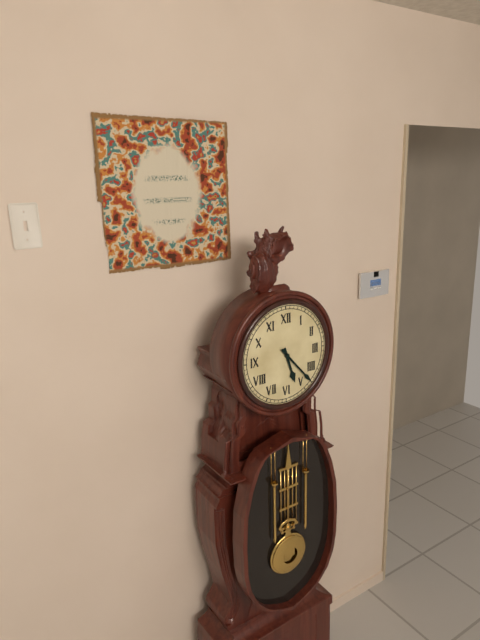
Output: 5.23
